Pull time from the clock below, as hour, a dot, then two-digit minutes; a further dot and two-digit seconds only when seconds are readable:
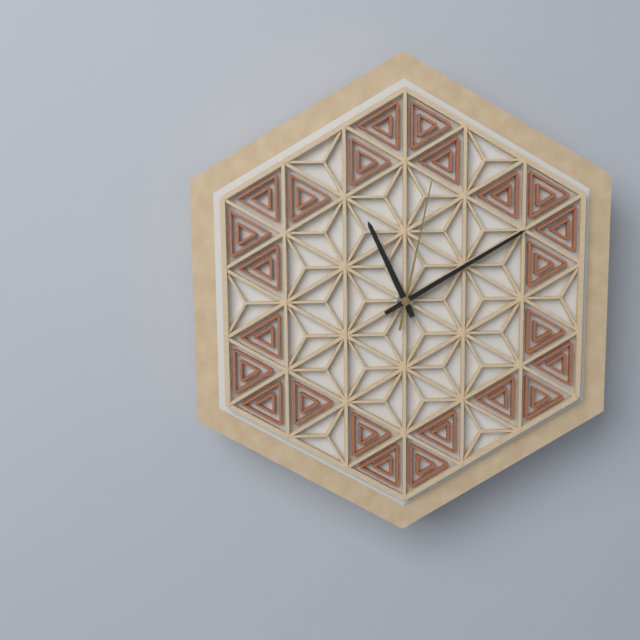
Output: 11.10.02
